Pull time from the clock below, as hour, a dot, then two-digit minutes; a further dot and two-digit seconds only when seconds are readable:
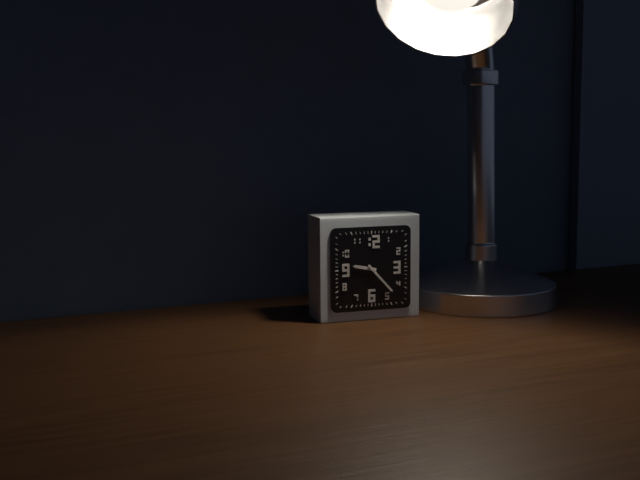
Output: 9.23
